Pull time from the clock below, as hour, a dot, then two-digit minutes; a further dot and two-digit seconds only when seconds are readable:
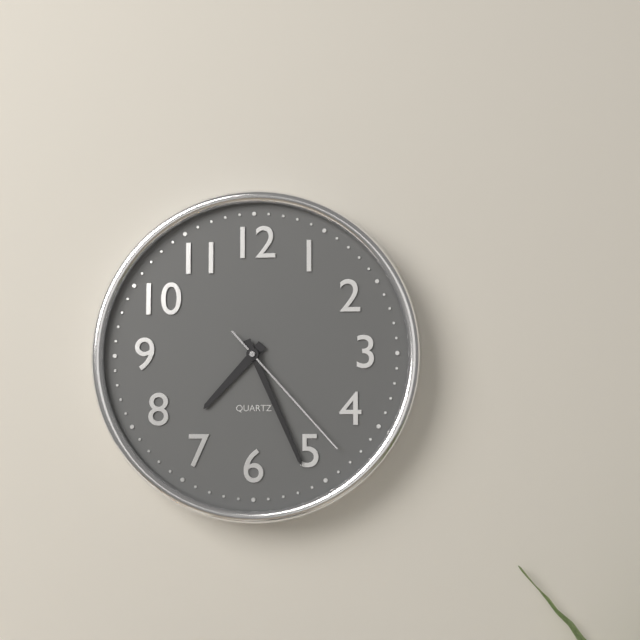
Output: 7.26.23
